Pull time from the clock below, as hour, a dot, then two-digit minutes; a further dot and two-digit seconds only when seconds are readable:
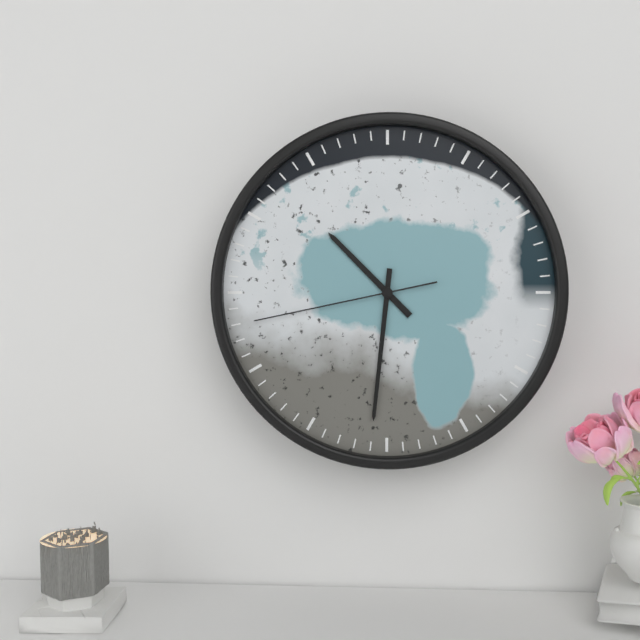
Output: 10.31.43
